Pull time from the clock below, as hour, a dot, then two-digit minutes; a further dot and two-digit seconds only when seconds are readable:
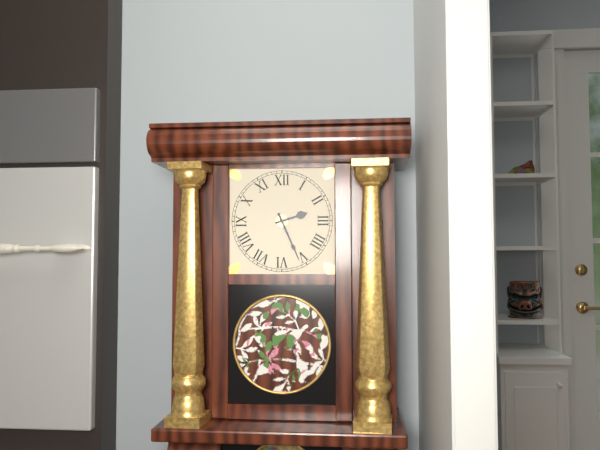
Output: 2.26
